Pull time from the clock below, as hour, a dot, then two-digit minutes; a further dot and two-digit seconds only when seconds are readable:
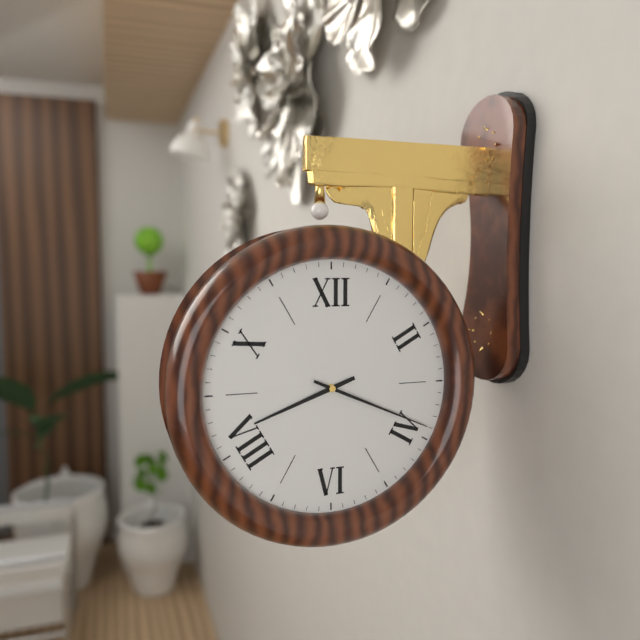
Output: 8.19
